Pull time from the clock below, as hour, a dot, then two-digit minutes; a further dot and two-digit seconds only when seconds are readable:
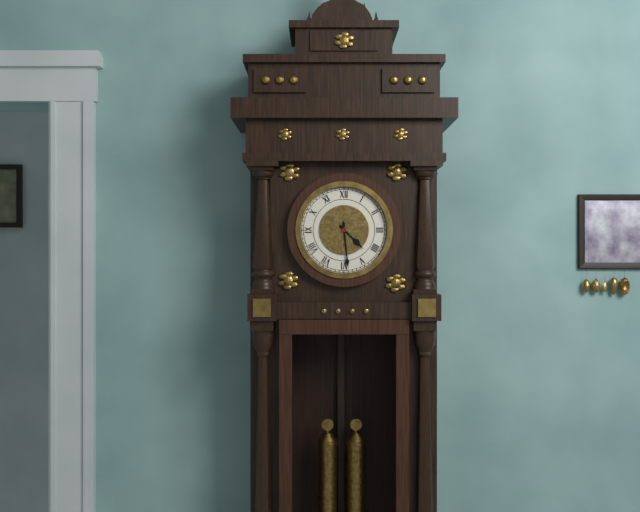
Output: 4.29
